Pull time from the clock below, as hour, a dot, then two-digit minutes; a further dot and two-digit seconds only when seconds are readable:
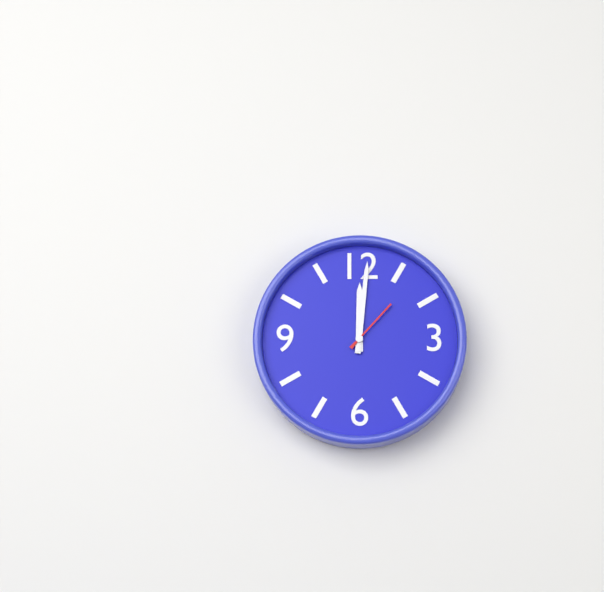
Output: 12.01.07
